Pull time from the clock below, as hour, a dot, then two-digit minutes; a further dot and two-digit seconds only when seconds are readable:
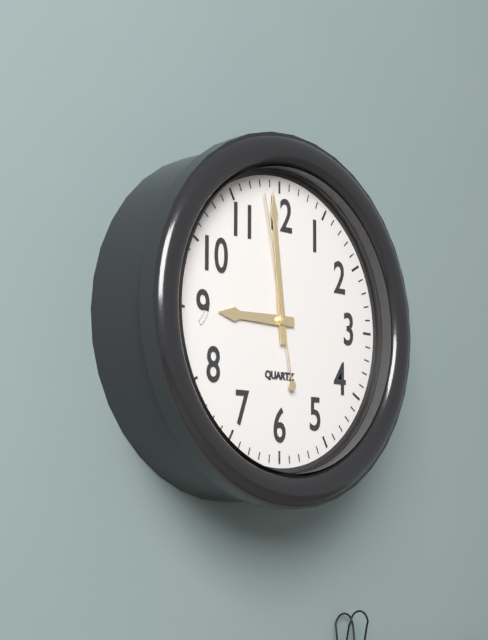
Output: 8.59.58
